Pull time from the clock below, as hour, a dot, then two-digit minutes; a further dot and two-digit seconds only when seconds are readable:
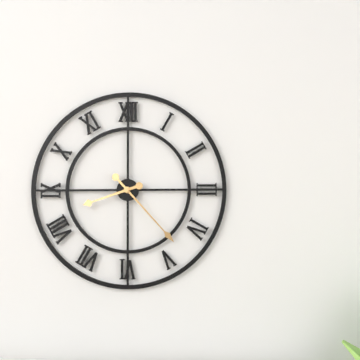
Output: 8.23
